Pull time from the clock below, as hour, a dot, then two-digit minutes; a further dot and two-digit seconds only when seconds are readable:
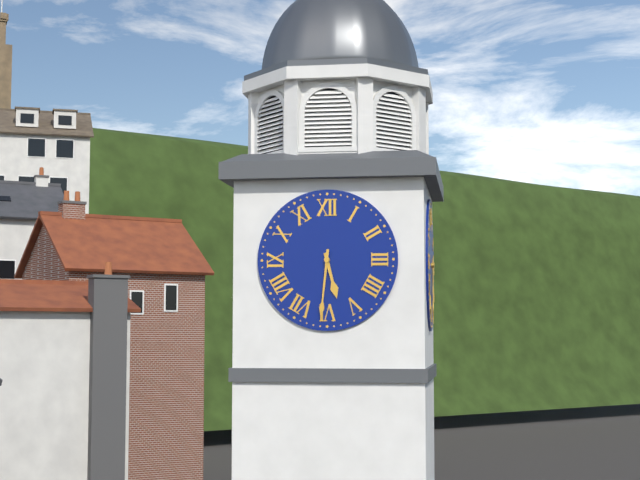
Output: 5.31
